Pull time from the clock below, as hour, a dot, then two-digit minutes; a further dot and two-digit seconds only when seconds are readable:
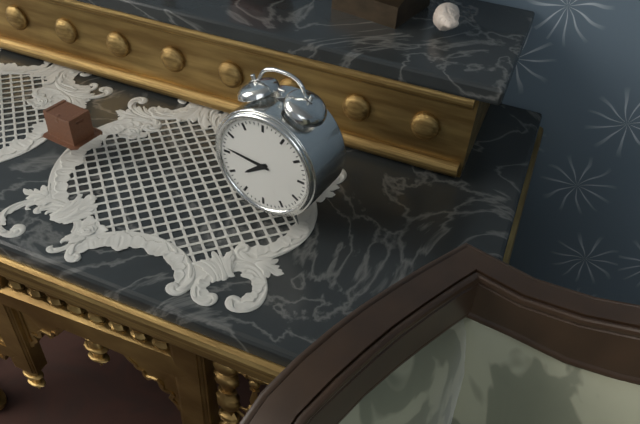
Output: 7.46
